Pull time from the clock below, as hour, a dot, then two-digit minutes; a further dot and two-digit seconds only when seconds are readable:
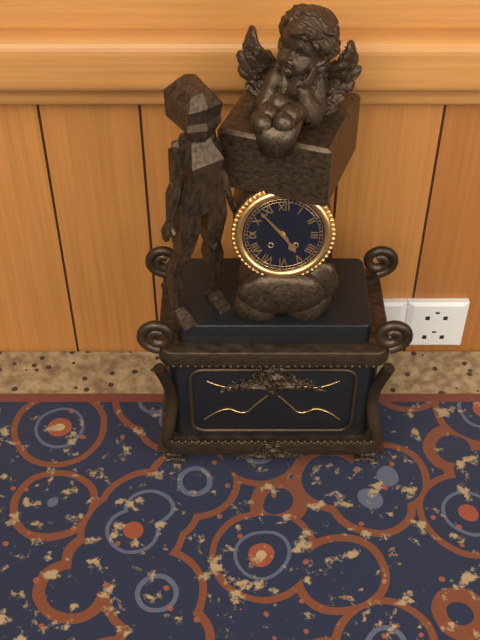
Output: 4.53
